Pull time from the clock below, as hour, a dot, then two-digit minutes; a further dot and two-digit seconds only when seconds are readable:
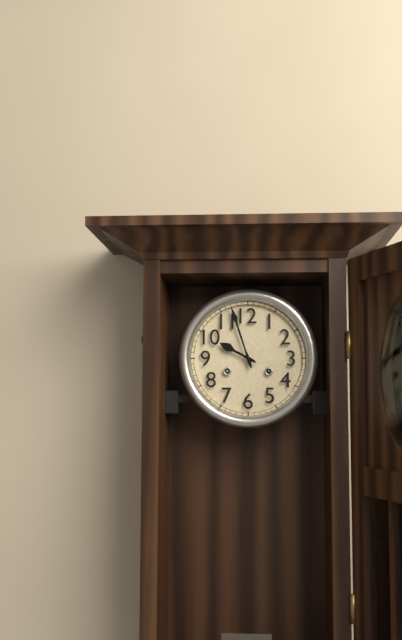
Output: 9.57
